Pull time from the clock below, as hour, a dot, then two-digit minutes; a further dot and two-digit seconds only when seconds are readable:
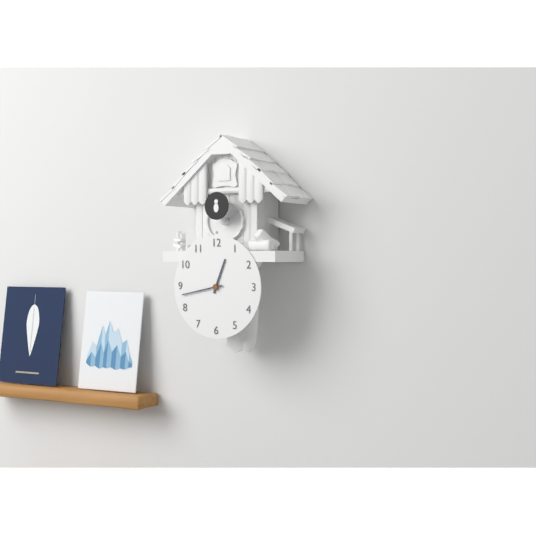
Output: 12.43
